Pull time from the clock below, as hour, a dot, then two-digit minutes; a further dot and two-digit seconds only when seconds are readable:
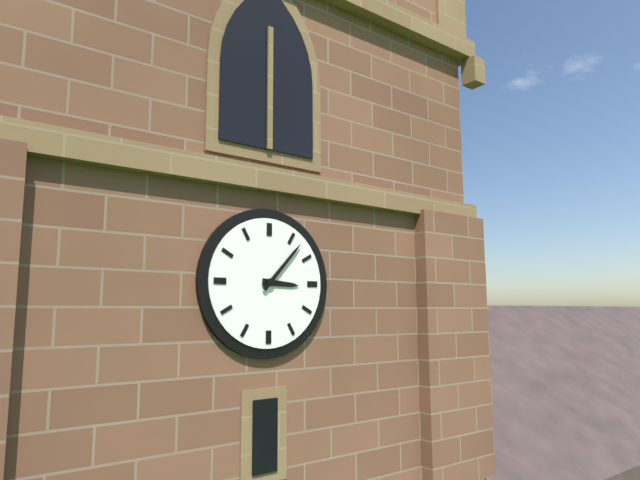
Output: 3.07
